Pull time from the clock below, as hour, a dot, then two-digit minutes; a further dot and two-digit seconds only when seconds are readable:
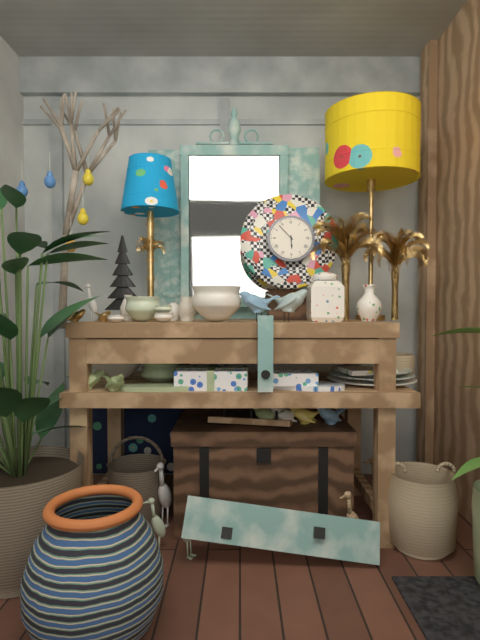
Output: 5.53
